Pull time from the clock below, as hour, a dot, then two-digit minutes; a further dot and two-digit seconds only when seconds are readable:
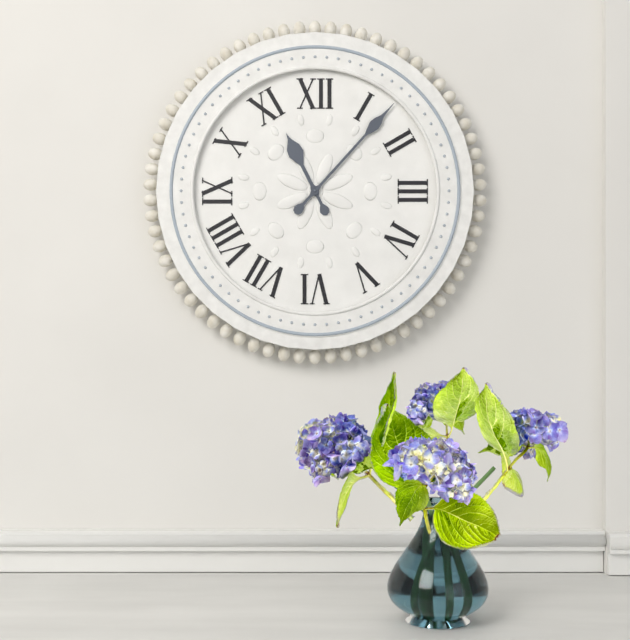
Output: 11.07
